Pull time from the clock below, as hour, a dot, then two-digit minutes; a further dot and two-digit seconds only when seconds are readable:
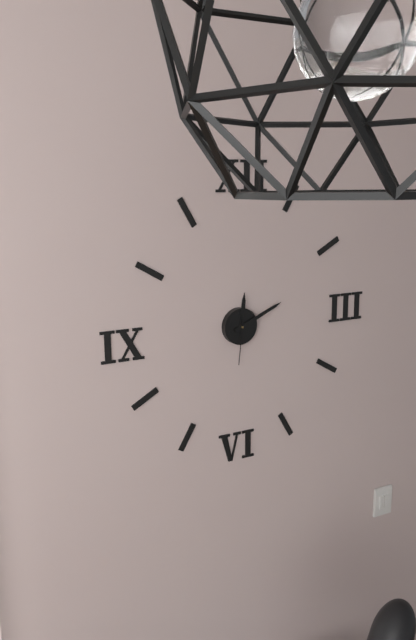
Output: 12.11
